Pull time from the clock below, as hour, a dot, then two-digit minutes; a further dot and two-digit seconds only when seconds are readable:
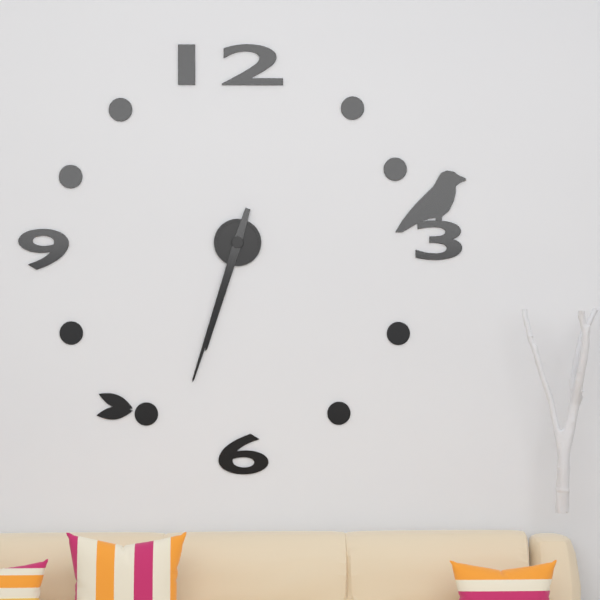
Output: 6.33
